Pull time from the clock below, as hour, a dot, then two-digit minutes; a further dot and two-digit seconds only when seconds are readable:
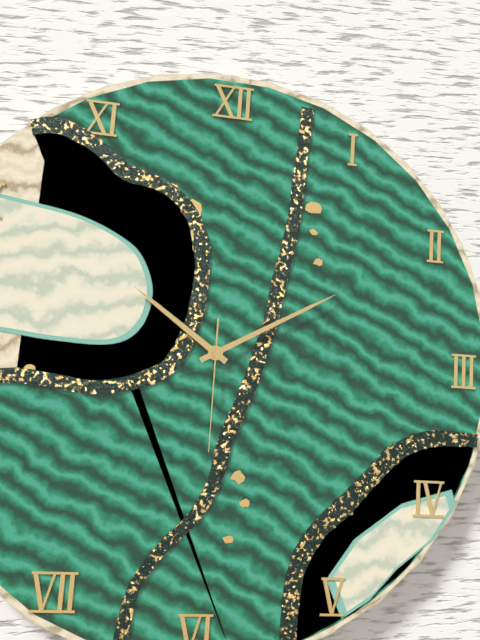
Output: 10.10.30
